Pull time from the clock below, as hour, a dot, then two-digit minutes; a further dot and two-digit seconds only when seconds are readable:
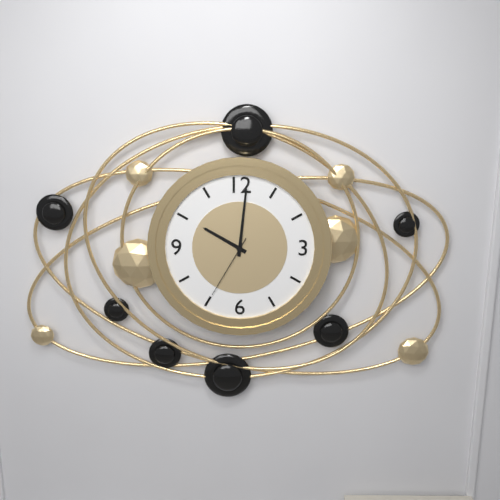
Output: 10.01.35
